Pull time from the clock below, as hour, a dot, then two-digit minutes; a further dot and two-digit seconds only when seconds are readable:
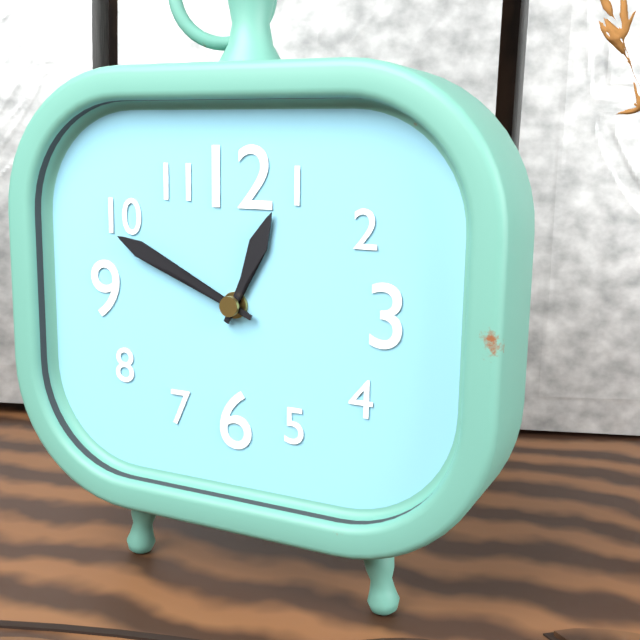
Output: 12.49
